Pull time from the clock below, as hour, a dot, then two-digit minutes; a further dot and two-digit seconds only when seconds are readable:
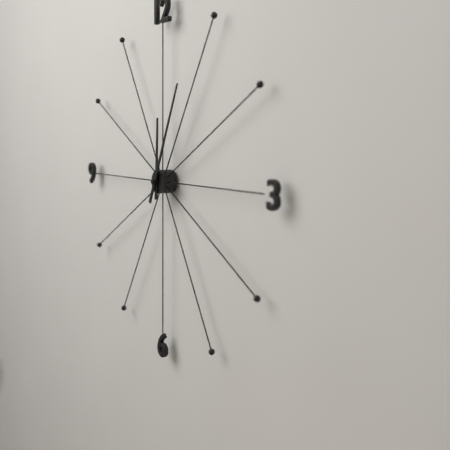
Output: 12.04
